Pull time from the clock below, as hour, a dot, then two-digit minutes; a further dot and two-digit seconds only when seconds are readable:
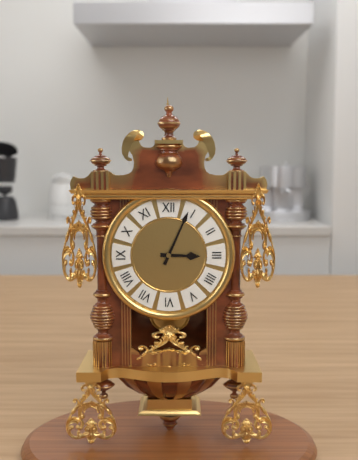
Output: 3.04
